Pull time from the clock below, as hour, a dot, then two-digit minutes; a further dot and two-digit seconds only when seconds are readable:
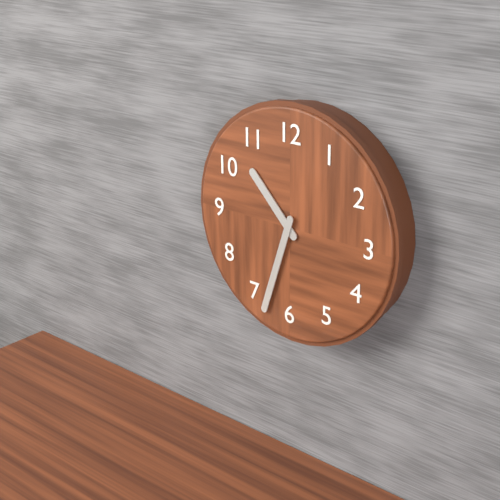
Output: 10.33
